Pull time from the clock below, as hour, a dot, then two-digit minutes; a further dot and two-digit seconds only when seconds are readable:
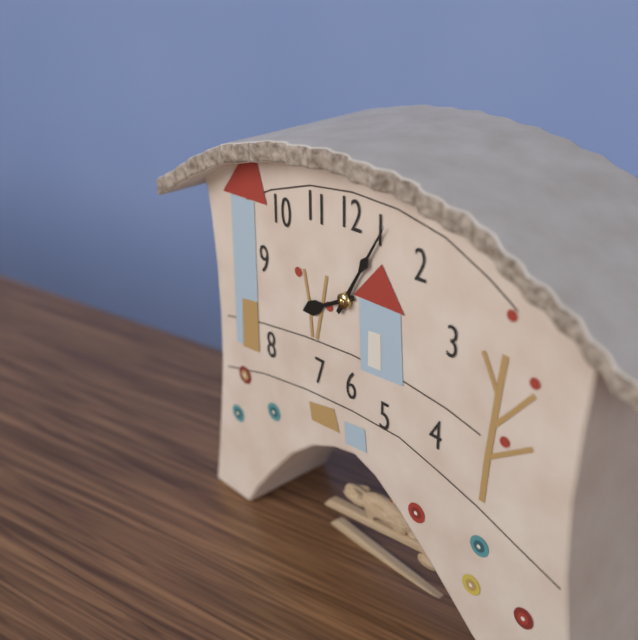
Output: 8.05
